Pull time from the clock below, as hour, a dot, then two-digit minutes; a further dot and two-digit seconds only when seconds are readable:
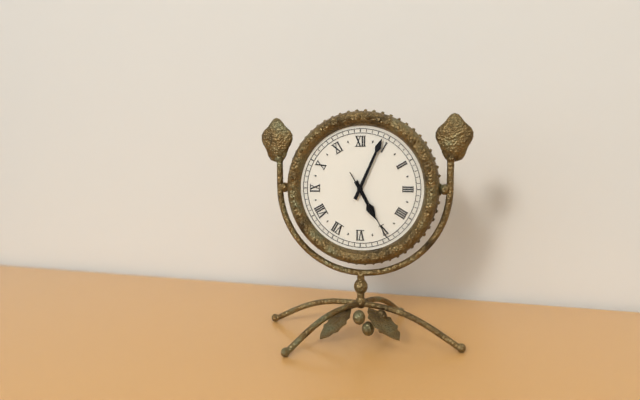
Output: 5.04.25
